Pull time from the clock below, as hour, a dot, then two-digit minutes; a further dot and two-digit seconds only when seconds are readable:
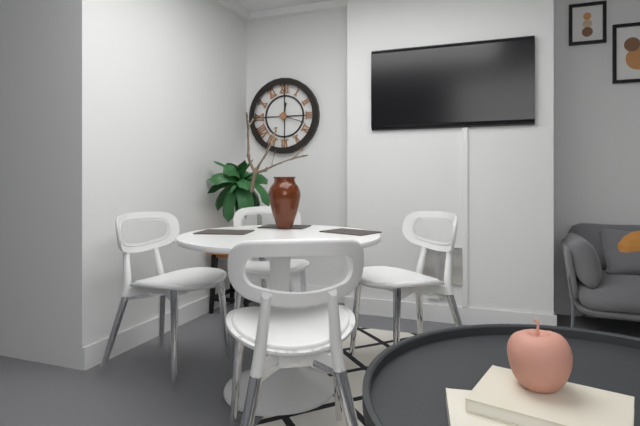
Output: 12.18
